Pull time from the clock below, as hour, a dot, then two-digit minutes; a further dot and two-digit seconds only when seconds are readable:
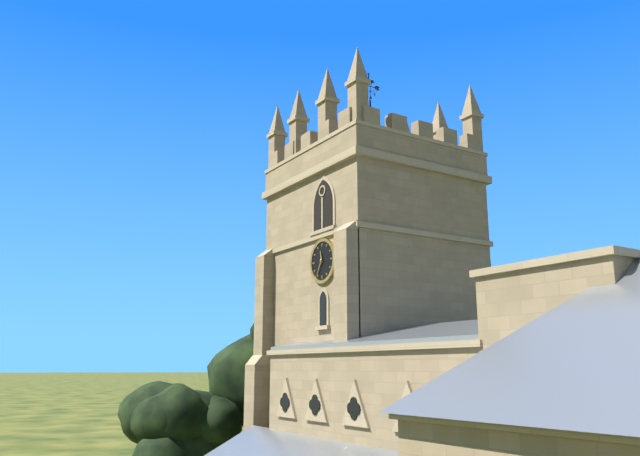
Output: 11.35
